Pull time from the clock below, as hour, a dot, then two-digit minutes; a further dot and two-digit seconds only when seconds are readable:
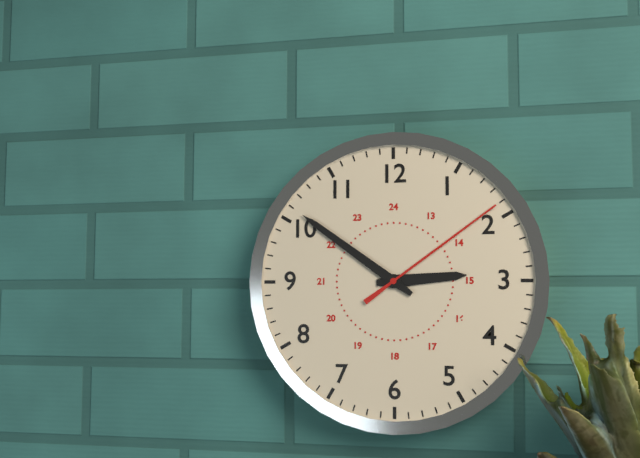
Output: 2.51.09
